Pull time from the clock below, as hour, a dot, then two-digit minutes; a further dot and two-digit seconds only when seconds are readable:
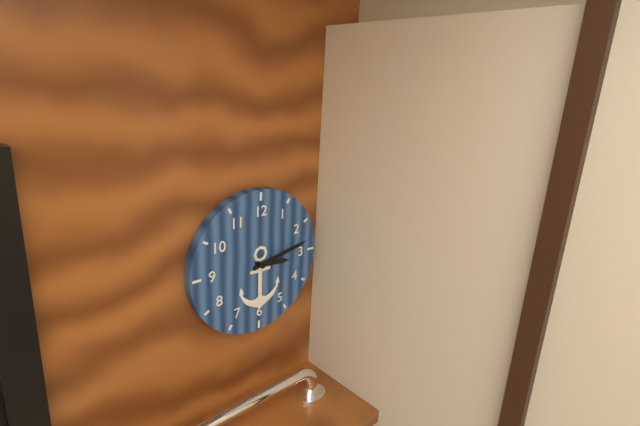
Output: 3.13
